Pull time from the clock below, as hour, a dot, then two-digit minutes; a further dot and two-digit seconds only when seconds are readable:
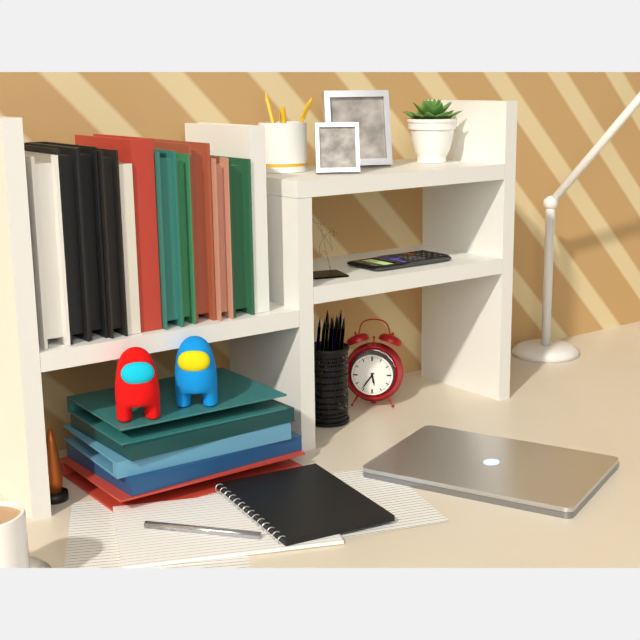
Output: 5.36
